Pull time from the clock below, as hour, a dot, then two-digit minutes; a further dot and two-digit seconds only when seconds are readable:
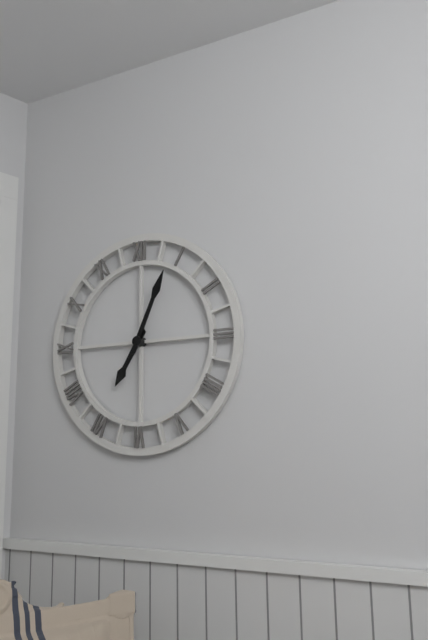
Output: 7.04
